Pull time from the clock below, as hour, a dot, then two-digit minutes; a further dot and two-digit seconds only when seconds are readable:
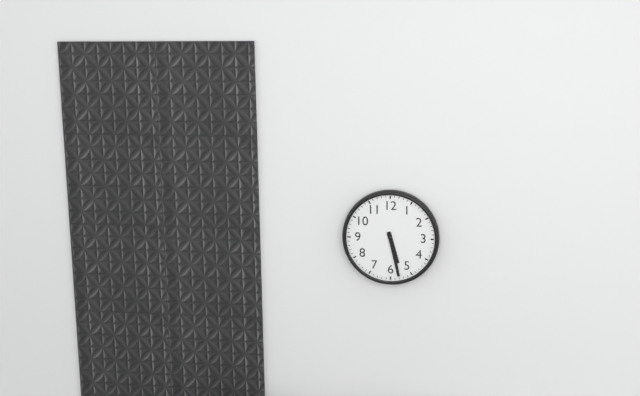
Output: 5.28
